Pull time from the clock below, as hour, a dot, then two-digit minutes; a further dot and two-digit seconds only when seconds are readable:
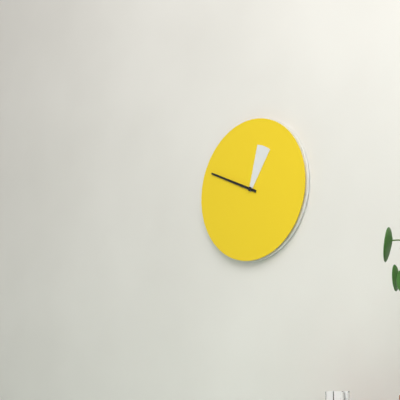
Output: 12.49
